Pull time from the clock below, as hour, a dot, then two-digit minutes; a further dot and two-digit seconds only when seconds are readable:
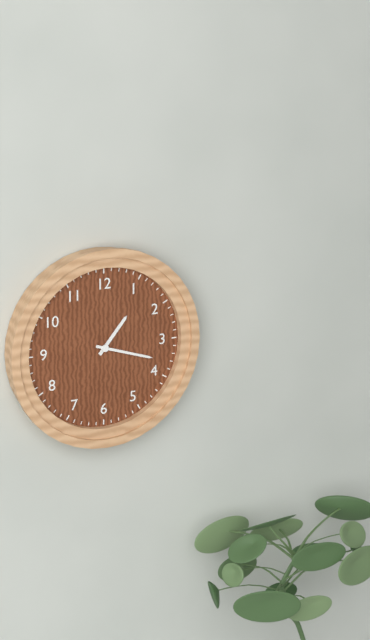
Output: 1.18
